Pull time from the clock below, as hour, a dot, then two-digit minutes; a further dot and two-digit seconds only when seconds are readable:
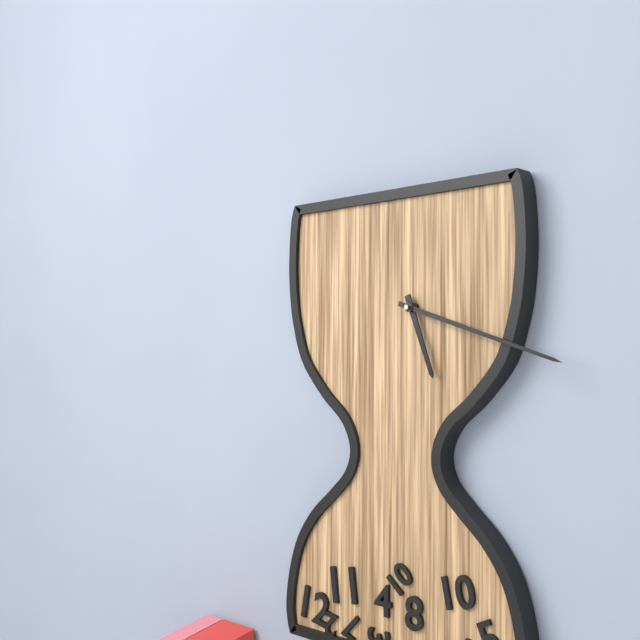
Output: 5.18
